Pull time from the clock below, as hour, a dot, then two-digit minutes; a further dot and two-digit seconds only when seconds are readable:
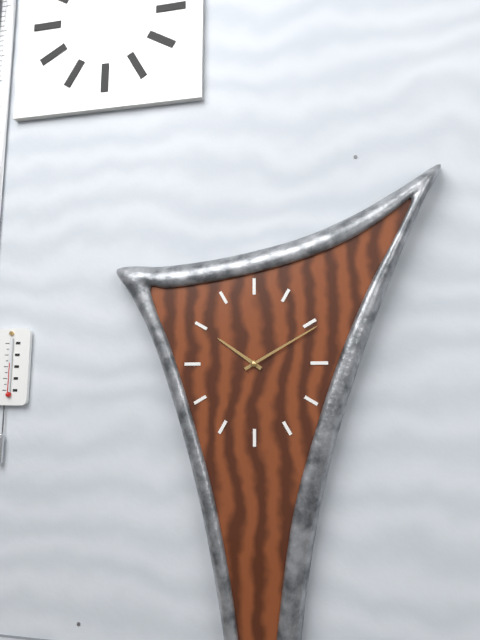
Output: 10.10
